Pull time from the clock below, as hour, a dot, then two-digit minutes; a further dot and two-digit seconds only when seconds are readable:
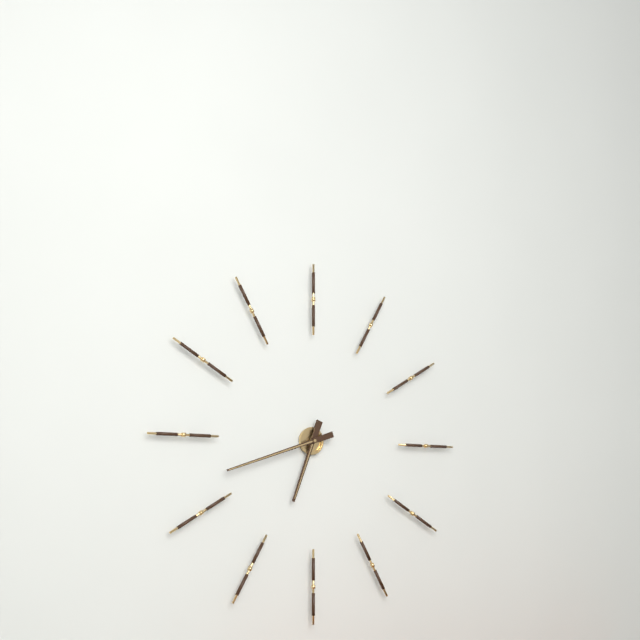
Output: 6.42
